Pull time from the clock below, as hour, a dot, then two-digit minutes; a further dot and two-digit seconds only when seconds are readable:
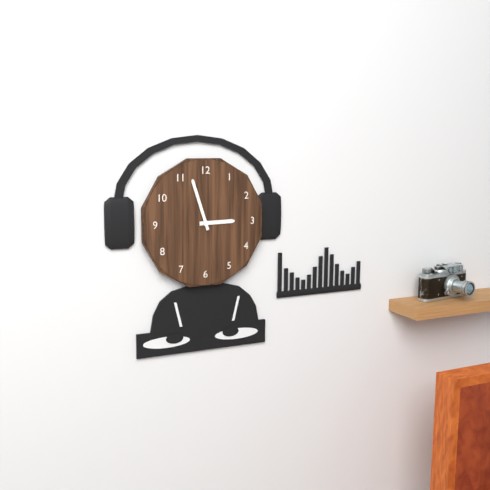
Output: 2.57
